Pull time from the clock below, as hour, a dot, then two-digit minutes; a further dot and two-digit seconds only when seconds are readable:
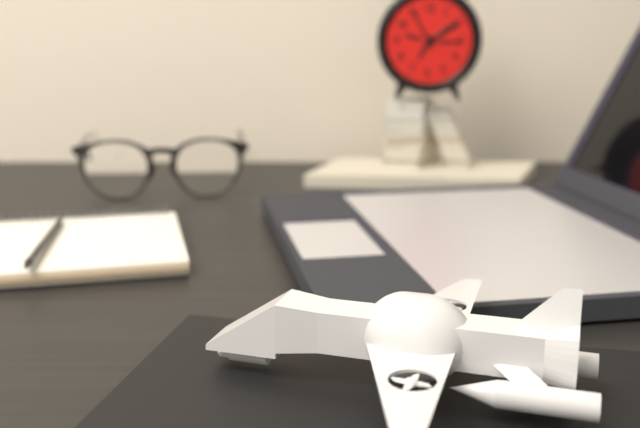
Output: 6.55
